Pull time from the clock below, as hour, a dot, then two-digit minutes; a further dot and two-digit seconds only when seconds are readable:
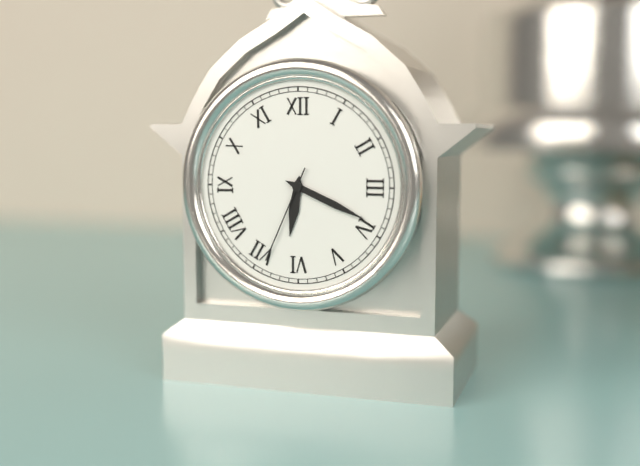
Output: 6.19.34
